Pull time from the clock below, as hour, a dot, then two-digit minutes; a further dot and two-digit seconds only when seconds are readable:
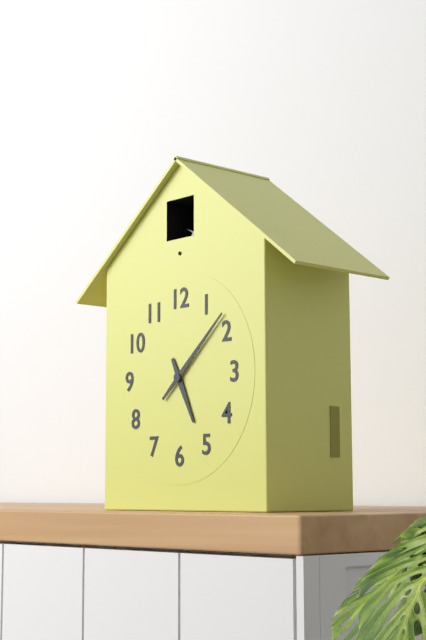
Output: 5.08
